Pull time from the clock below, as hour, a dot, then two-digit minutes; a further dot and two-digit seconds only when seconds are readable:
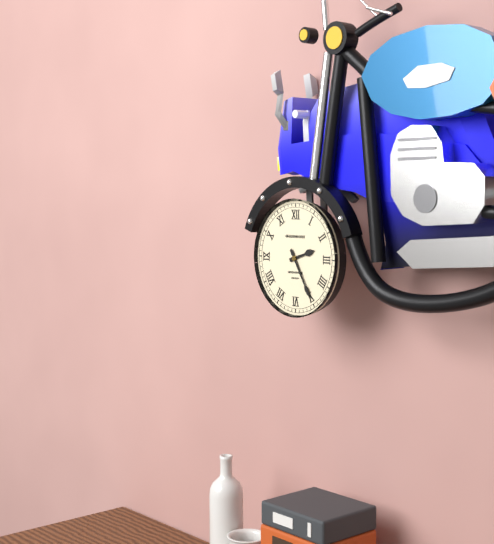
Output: 2.25
